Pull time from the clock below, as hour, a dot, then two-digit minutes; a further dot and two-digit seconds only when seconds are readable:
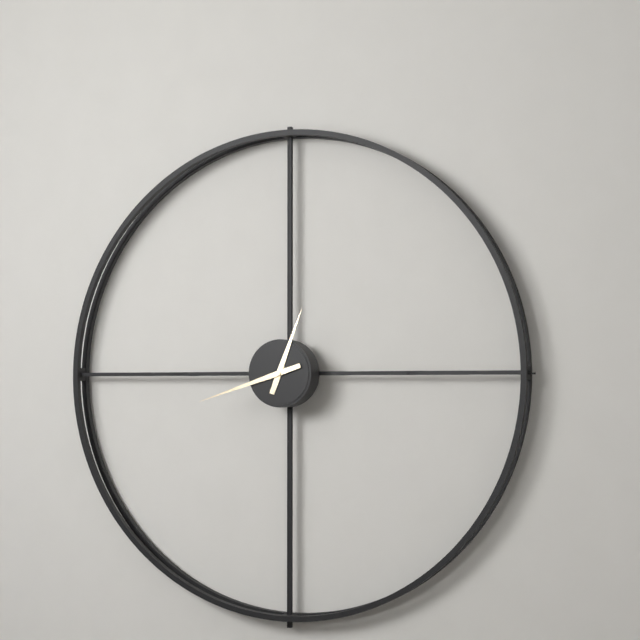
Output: 12.42
